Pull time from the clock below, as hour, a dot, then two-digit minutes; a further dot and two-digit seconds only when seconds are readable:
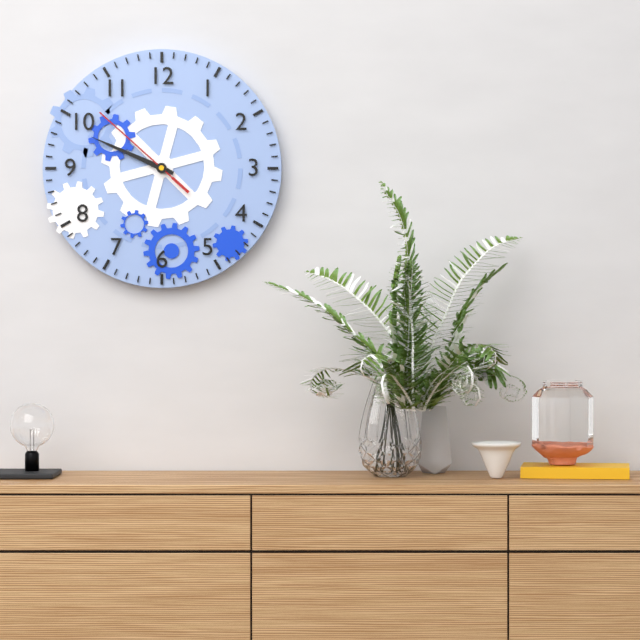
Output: 9.49.52
